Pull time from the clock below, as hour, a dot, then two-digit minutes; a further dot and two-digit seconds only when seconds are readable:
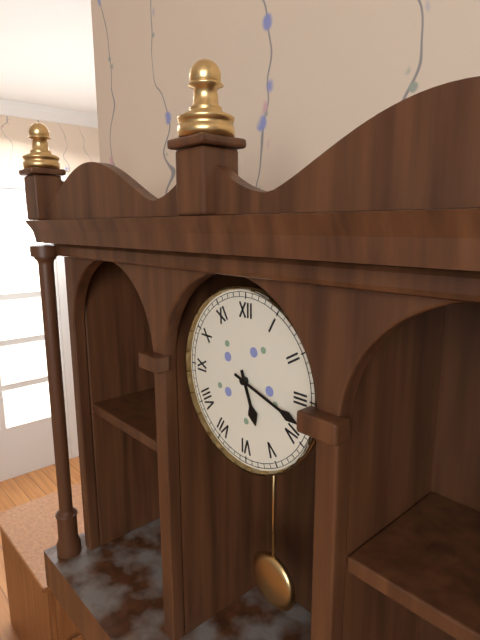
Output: 5.18
